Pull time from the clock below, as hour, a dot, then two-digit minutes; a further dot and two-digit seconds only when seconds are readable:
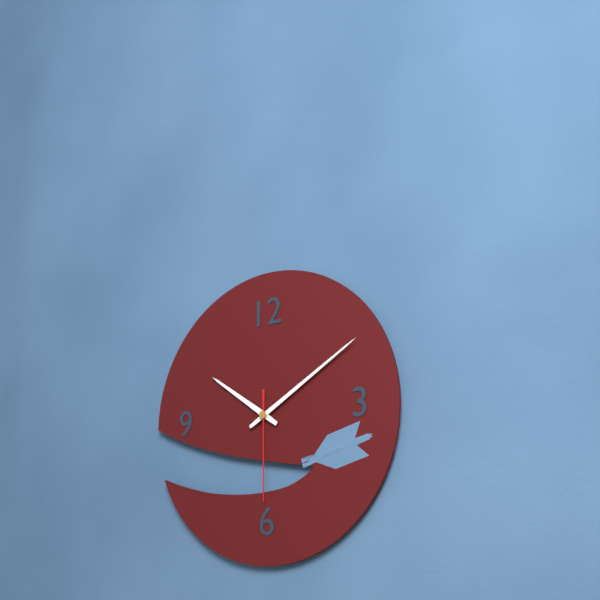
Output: 10.10.30
